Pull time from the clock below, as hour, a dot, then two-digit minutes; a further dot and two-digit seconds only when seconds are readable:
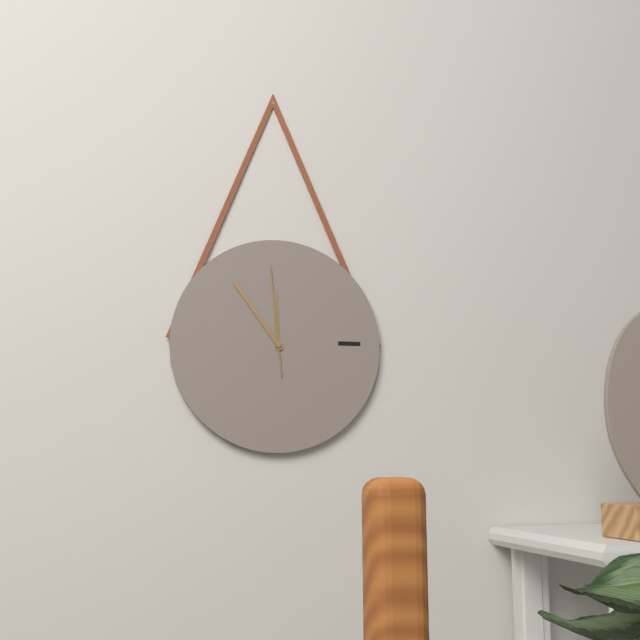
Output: 11.54.59
